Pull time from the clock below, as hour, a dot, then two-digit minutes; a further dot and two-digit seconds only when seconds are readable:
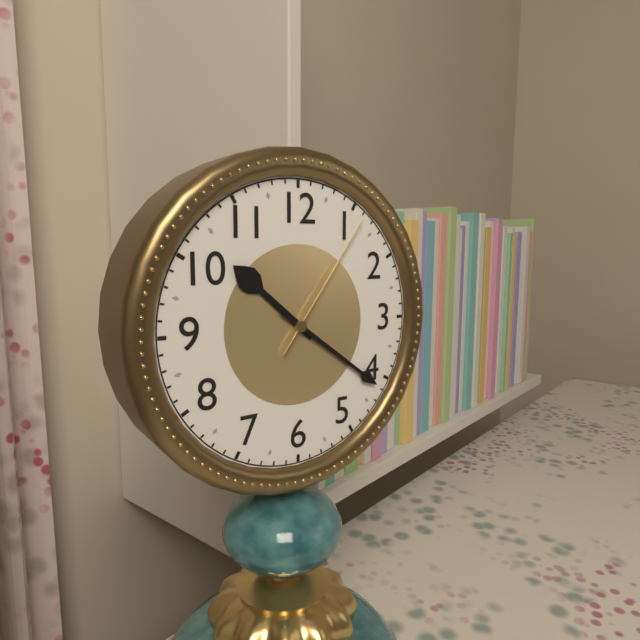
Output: 10.21.06
